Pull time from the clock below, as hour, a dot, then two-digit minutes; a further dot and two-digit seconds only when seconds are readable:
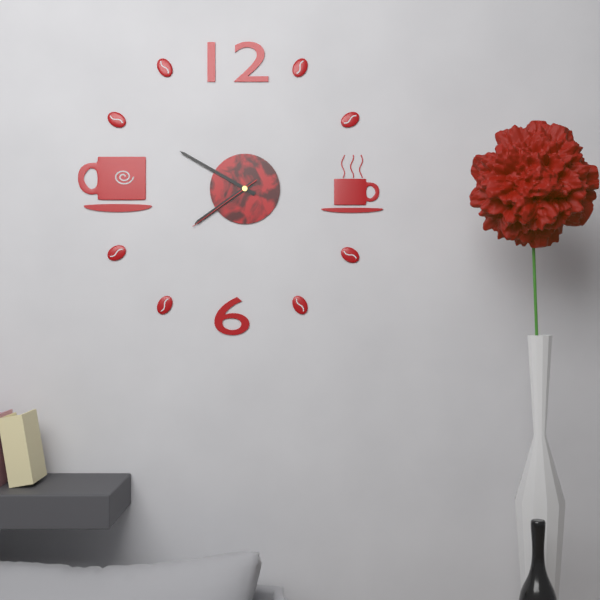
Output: 7.50.39
